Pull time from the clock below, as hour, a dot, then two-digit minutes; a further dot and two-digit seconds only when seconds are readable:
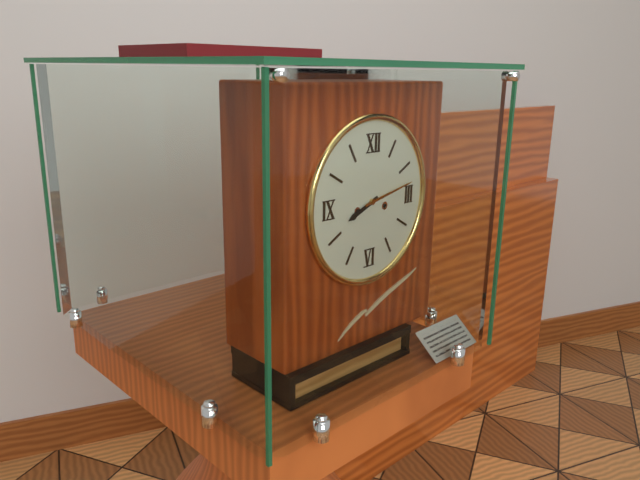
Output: 8.13
